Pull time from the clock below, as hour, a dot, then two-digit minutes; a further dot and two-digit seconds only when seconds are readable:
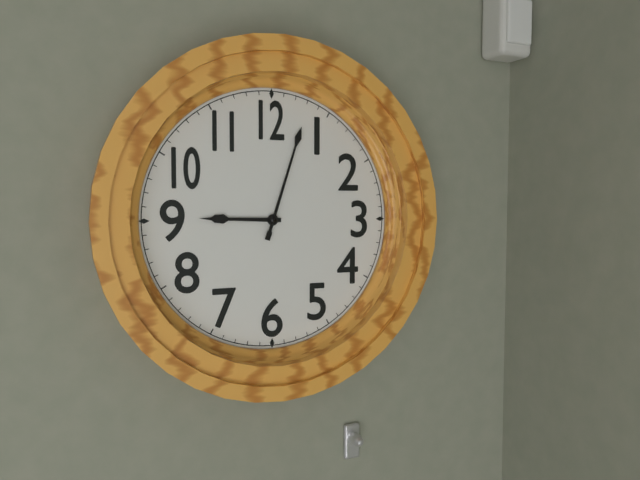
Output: 9.03
